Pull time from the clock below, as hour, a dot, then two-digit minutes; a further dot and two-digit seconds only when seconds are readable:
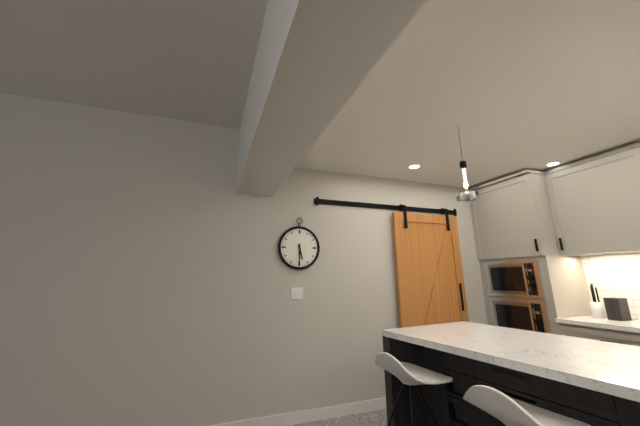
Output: 5.30
